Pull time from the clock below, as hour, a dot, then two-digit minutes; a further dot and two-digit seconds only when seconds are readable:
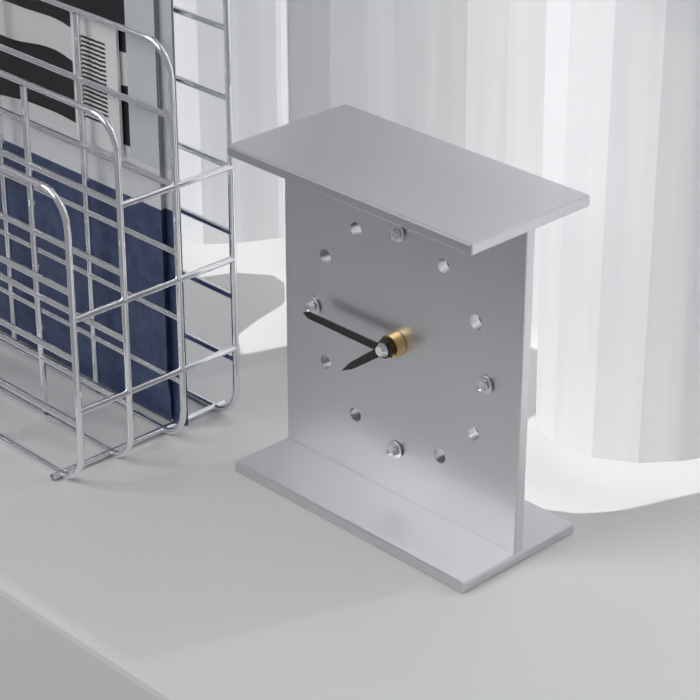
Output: 7.45
